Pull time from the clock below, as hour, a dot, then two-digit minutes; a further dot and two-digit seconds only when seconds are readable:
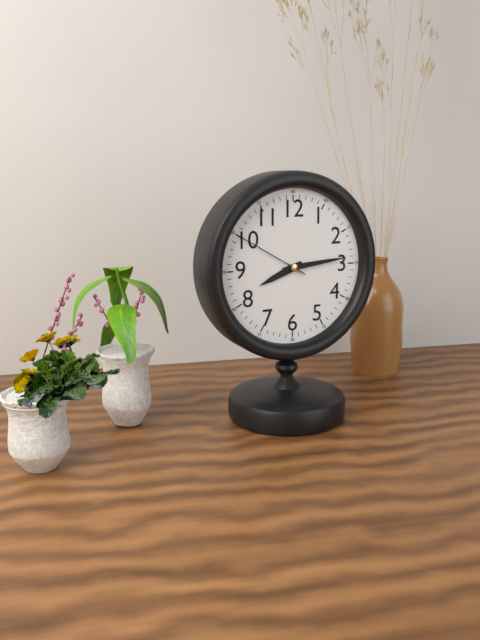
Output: 8.14.50
